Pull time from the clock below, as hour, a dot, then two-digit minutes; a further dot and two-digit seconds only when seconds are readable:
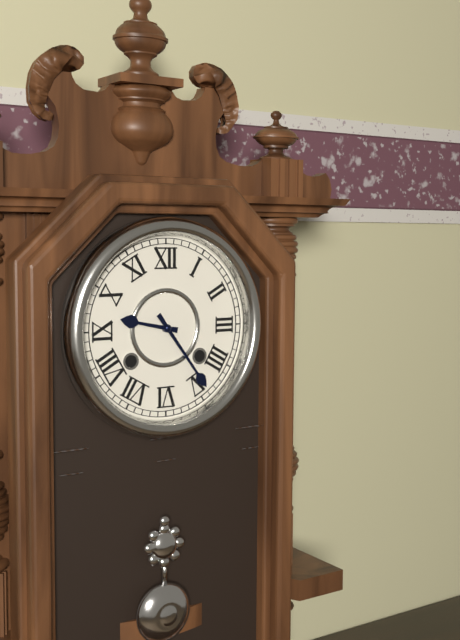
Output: 9.24
